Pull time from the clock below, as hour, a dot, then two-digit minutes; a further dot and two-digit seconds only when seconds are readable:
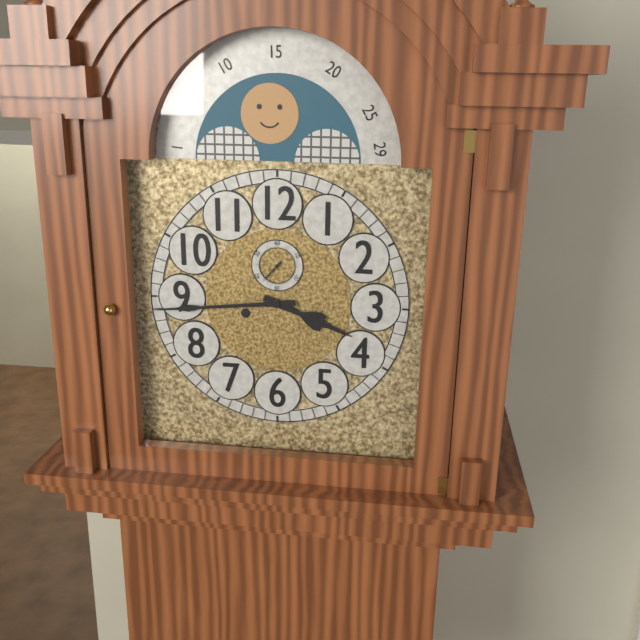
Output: 3.44
